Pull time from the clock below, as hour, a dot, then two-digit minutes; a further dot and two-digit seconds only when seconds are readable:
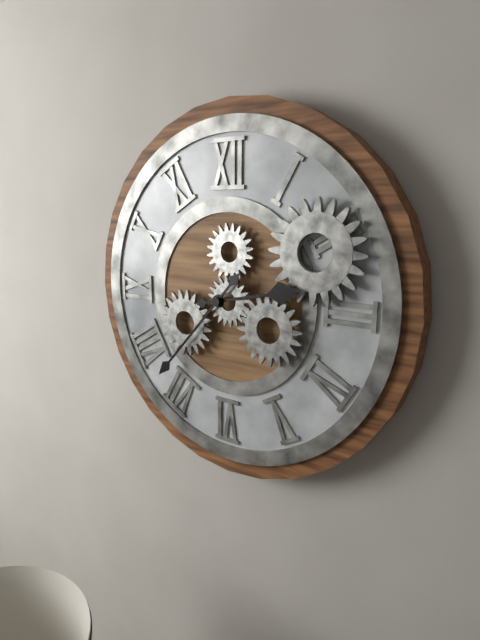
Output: 2.37
